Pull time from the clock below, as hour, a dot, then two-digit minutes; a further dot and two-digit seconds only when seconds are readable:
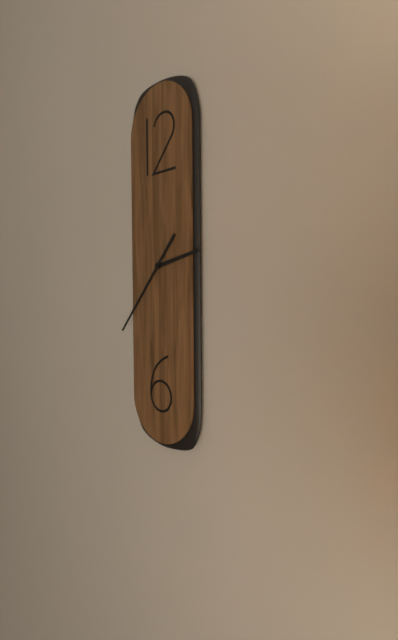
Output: 2.37
